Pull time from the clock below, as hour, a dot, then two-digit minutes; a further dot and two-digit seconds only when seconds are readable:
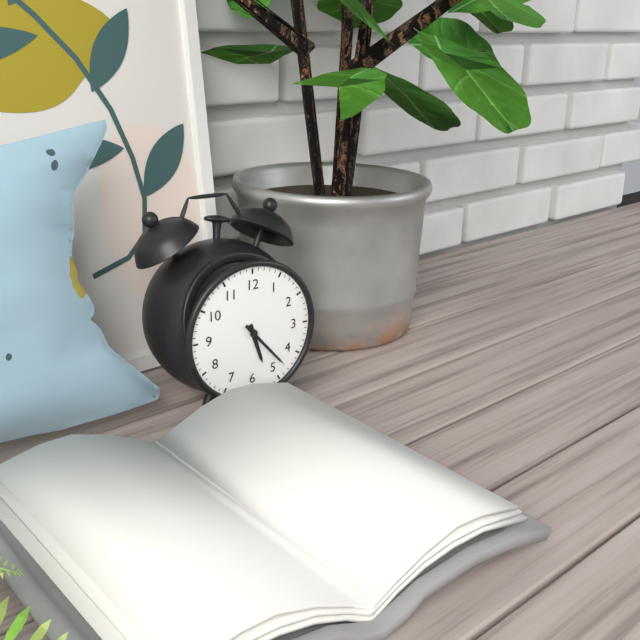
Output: 5.23
